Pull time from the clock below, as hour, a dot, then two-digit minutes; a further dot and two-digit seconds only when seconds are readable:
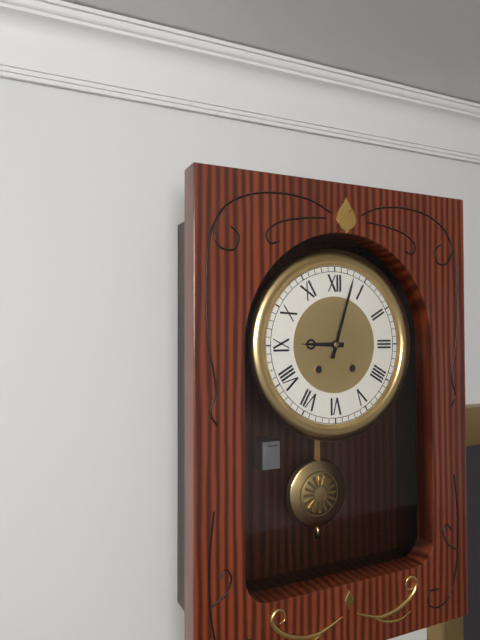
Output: 9.03
